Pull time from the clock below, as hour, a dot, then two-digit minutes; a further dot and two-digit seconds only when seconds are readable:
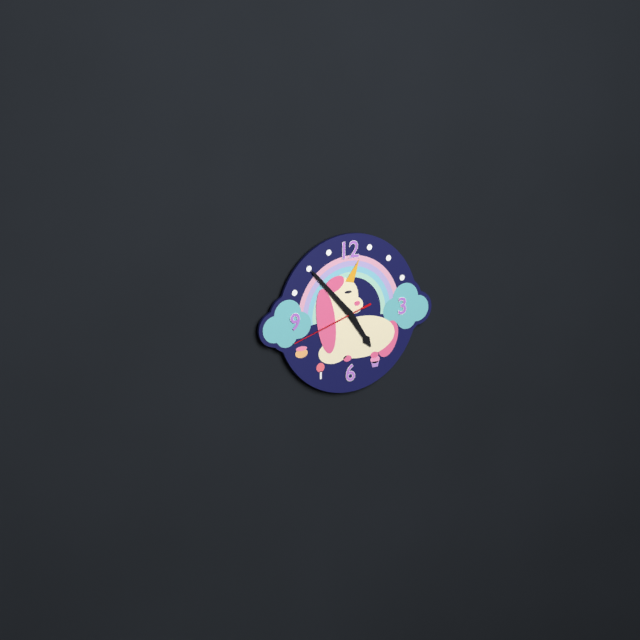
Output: 4.53.42
